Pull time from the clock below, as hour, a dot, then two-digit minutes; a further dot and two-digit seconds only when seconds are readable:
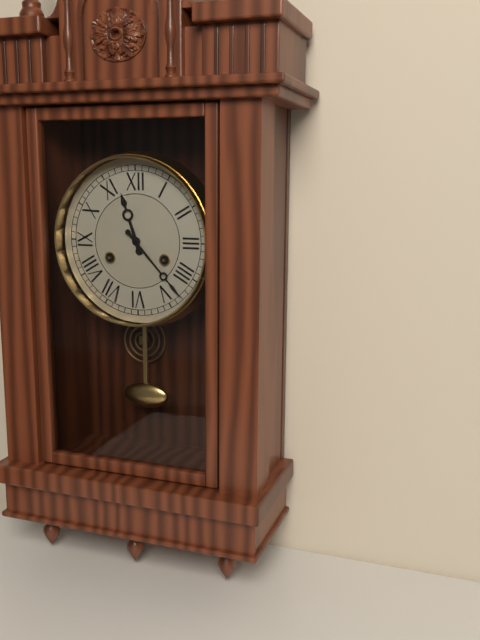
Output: 11.23
